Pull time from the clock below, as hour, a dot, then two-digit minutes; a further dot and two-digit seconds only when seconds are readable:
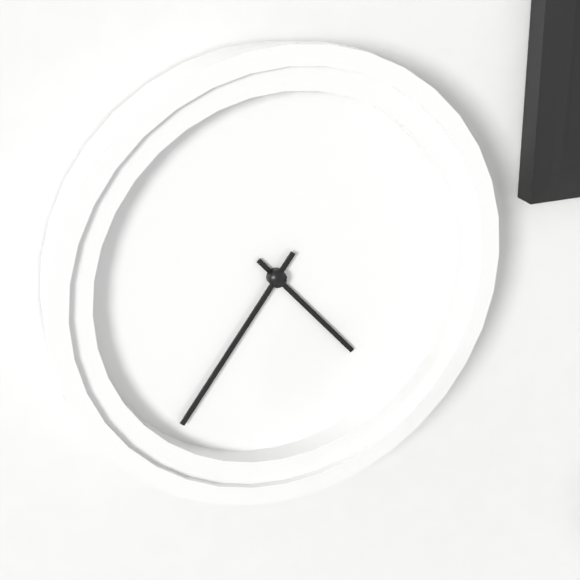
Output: 4.36
